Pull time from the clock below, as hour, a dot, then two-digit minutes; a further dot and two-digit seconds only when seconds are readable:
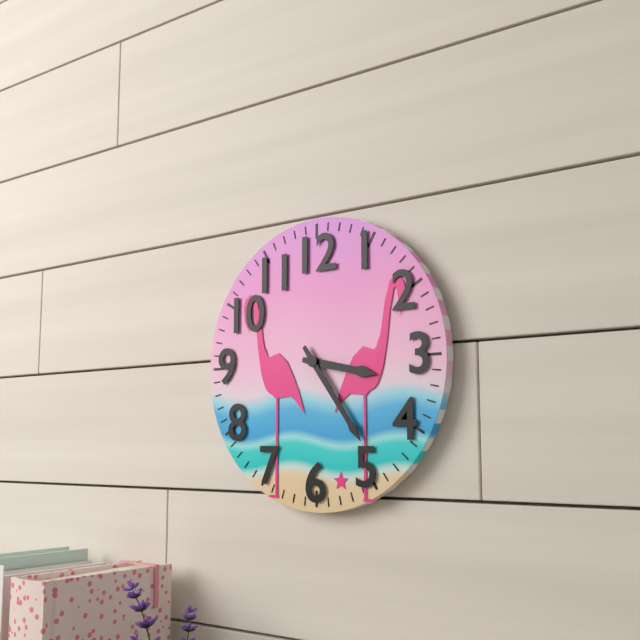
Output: 3.24
